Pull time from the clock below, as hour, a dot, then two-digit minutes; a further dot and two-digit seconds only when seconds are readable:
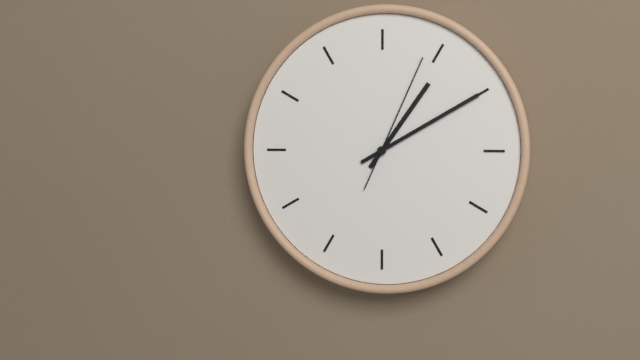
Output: 1.10.04
